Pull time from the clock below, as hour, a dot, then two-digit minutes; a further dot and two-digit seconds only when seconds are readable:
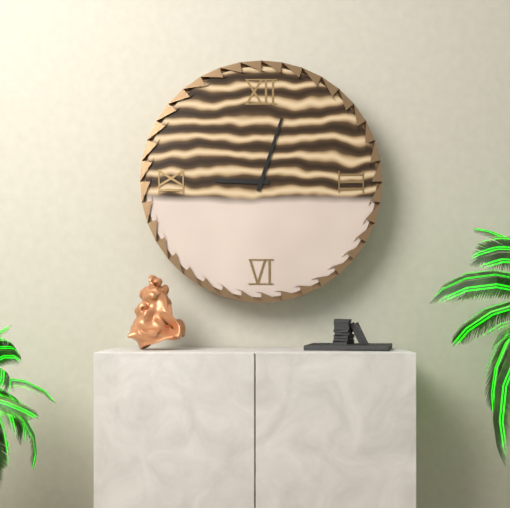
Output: 9.03
